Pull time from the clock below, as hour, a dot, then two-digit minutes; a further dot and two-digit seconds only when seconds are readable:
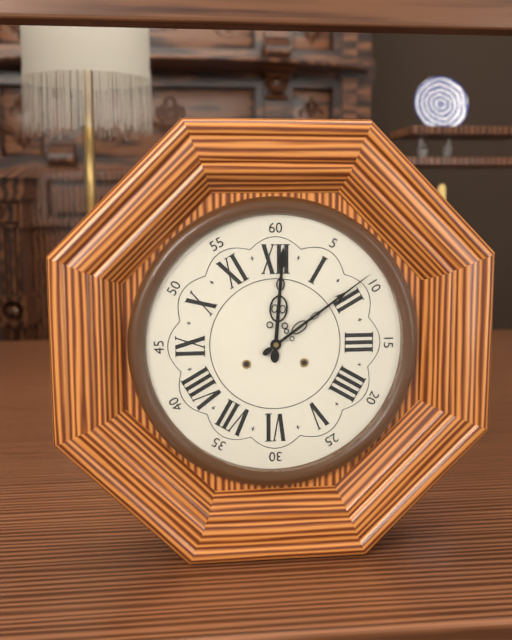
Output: 12.09
